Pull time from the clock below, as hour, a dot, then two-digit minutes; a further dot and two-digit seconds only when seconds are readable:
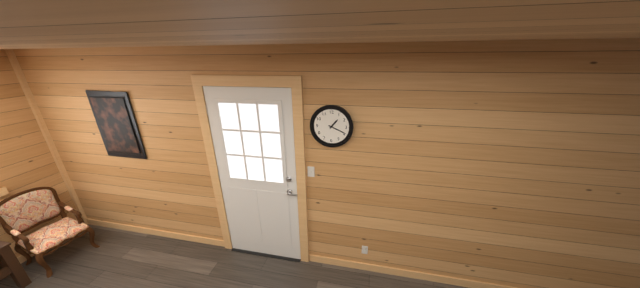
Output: 1.19
